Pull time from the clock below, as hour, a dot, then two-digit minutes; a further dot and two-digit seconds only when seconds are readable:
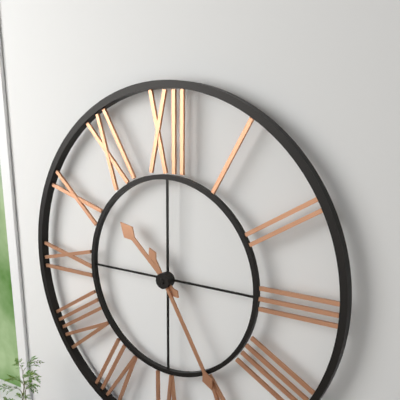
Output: 10.25
